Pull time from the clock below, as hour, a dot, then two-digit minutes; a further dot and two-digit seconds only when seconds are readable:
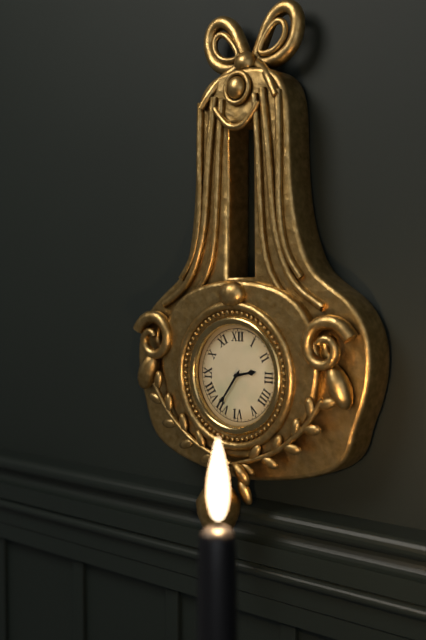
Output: 2.36
